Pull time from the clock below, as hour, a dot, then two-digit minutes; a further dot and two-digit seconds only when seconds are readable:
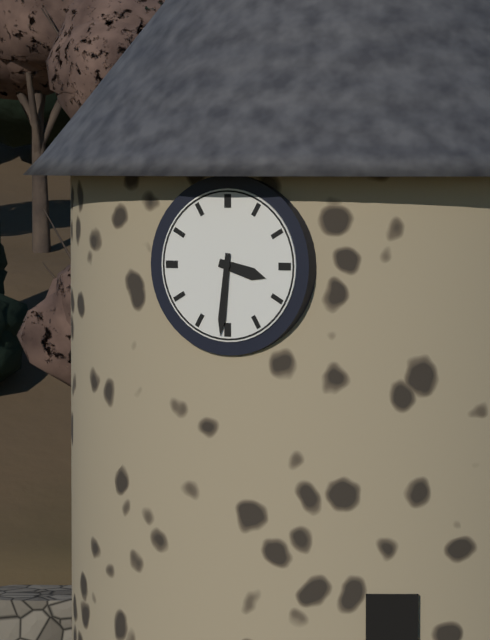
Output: 3.31
